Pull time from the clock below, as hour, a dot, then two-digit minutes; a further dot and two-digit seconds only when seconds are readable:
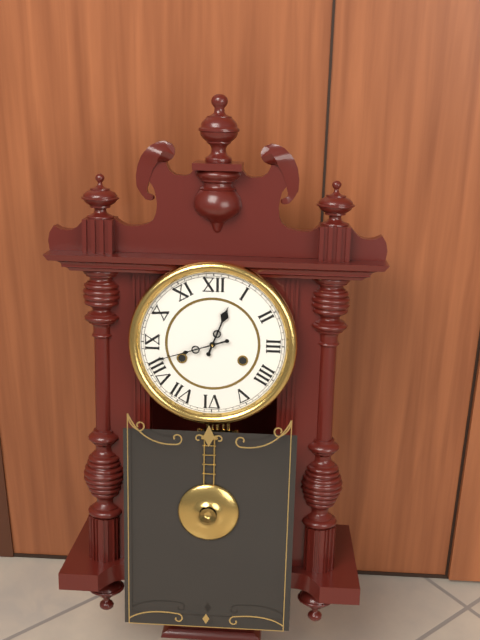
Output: 12.42
